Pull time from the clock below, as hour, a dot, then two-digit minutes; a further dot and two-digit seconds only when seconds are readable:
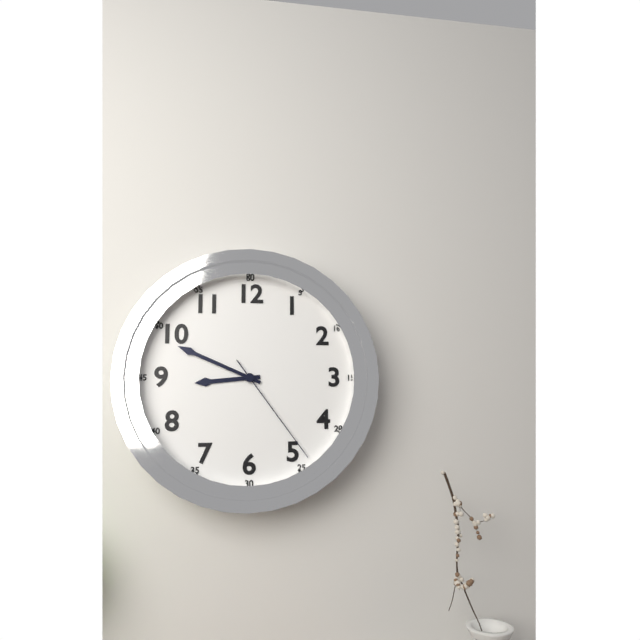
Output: 8.49.24
